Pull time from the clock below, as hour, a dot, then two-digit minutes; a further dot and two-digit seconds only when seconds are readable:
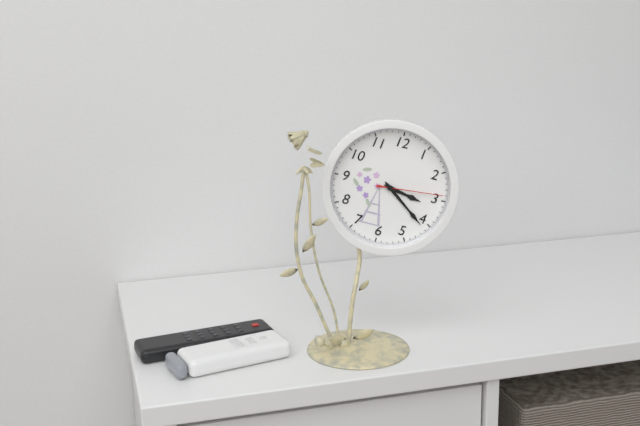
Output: 3.21.14
